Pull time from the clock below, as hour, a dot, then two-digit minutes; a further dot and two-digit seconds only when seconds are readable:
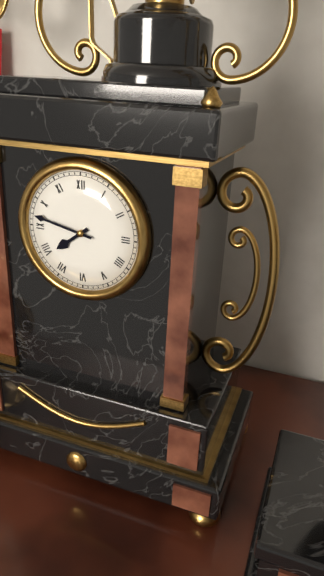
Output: 7.47
